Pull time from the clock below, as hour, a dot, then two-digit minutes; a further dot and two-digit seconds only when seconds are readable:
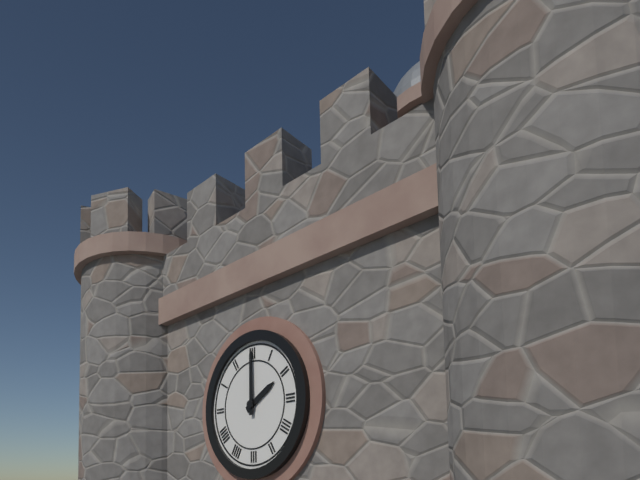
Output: 2.00
